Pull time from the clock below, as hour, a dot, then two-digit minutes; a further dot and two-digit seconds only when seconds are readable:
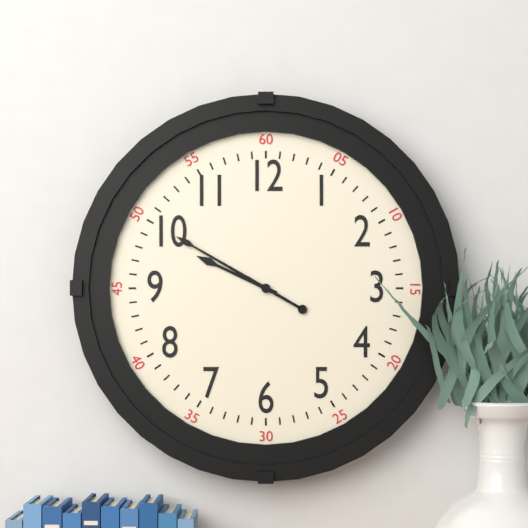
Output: 9.50
